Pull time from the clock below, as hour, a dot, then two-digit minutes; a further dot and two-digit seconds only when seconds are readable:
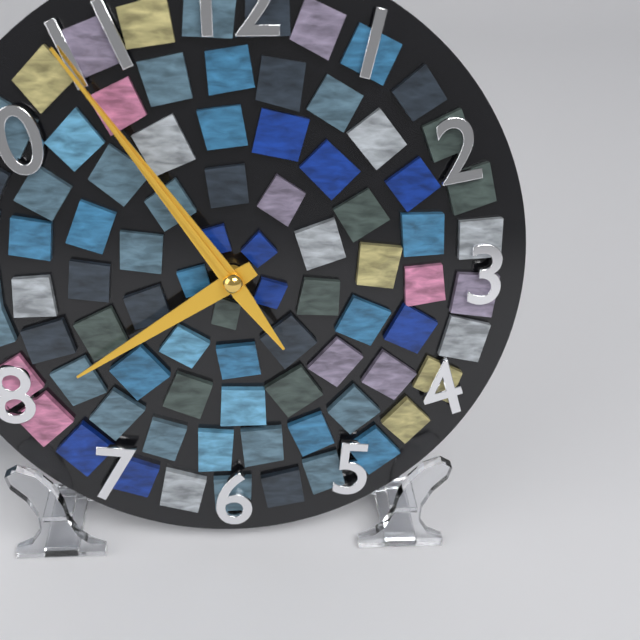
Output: 7.54.54
